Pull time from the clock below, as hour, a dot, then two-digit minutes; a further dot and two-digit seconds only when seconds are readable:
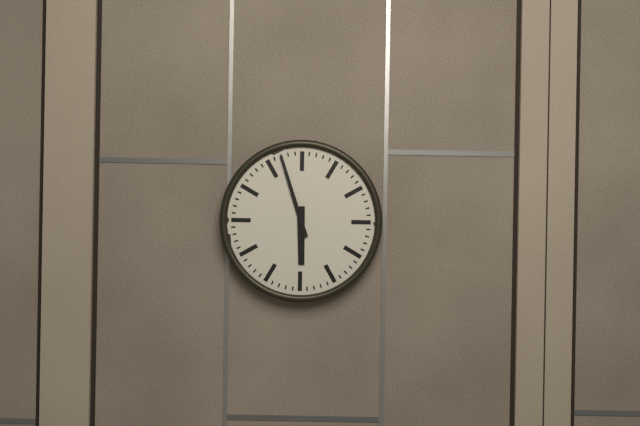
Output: 5.57
